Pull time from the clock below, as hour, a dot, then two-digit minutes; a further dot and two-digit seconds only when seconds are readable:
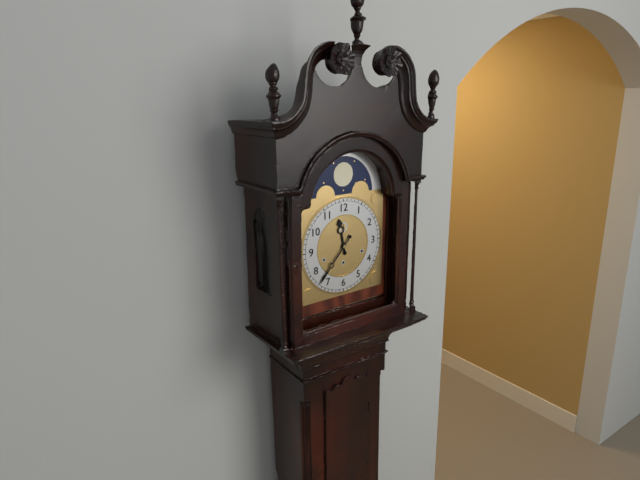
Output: 11.37
